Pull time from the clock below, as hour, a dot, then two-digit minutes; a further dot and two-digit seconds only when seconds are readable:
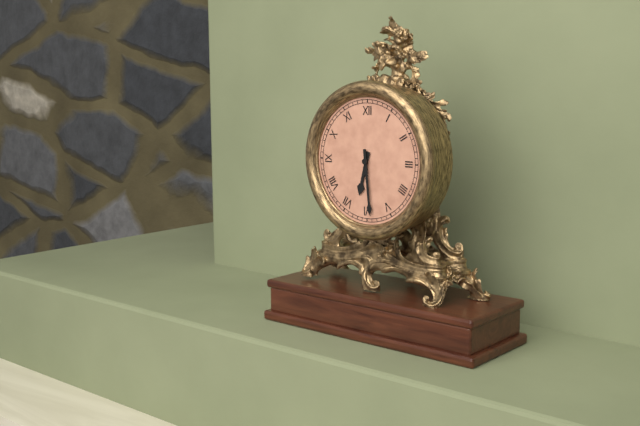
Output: 6.29
